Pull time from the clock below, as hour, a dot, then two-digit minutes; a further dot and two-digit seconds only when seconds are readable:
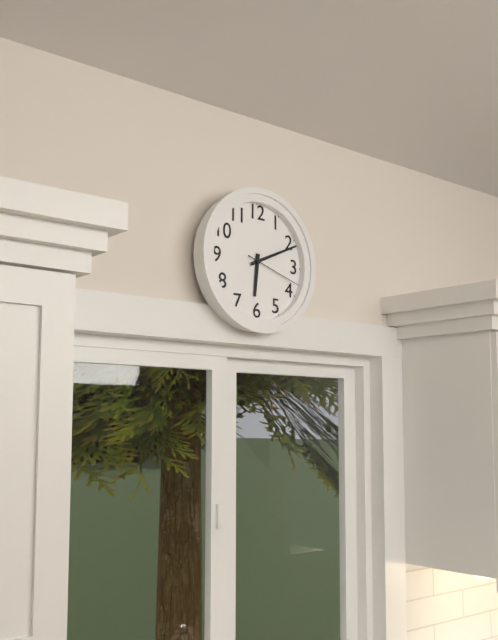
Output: 6.11.18
